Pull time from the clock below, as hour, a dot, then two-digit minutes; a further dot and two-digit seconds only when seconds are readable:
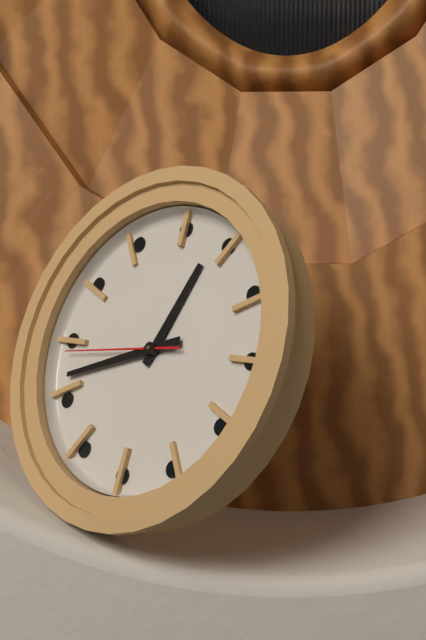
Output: 12.42.44
